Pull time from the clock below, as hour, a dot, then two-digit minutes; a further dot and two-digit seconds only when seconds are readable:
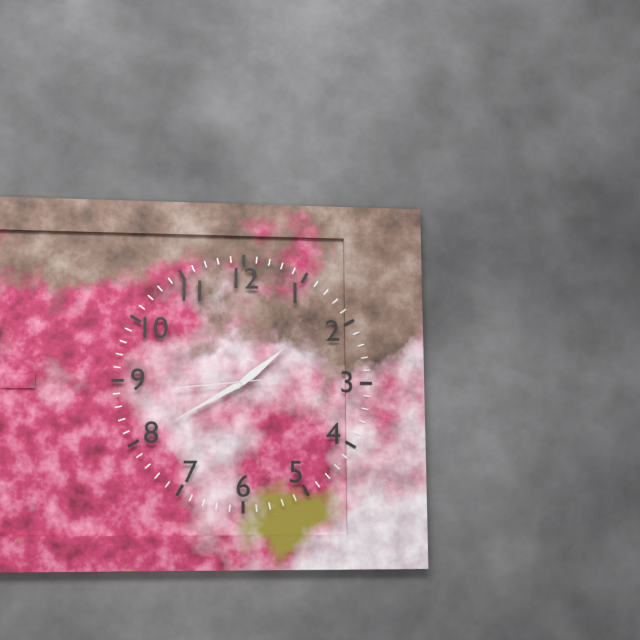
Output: 1.40.44
